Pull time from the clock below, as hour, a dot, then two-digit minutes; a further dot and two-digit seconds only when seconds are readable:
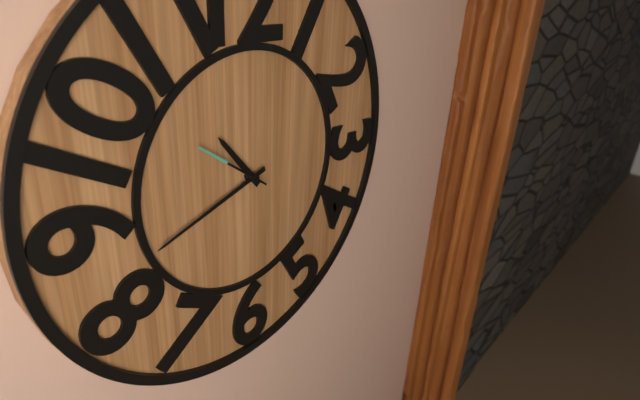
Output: 10.42.51
